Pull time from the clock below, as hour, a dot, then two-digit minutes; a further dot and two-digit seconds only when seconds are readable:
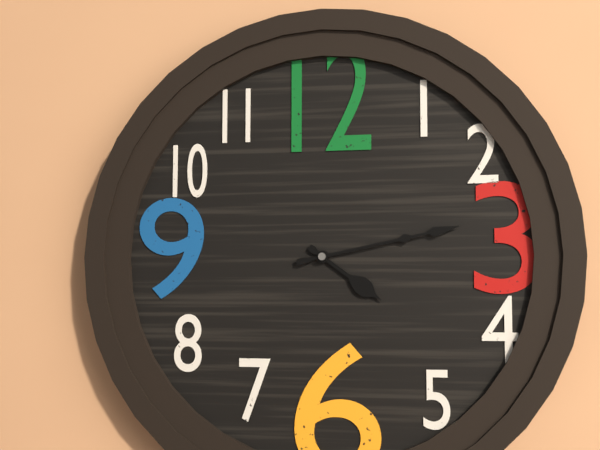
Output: 4.13
